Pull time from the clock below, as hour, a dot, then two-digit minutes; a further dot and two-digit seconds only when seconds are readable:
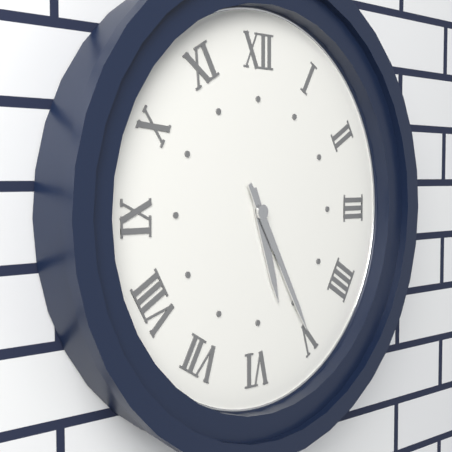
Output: 5.25
